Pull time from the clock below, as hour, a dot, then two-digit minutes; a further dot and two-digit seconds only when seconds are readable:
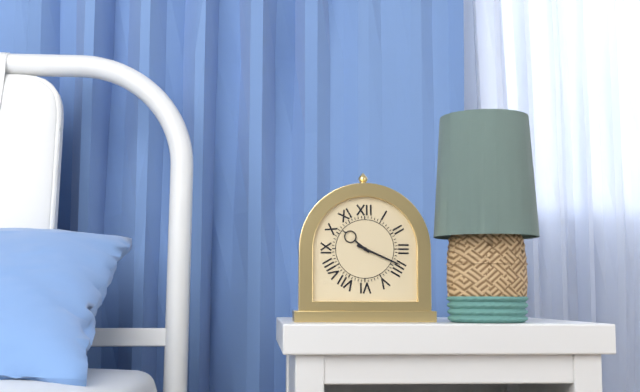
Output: 10.19
